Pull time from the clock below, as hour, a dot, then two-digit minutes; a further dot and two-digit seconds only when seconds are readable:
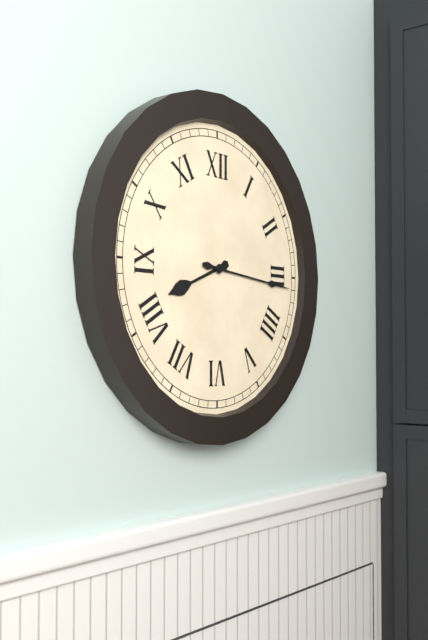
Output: 8.16
